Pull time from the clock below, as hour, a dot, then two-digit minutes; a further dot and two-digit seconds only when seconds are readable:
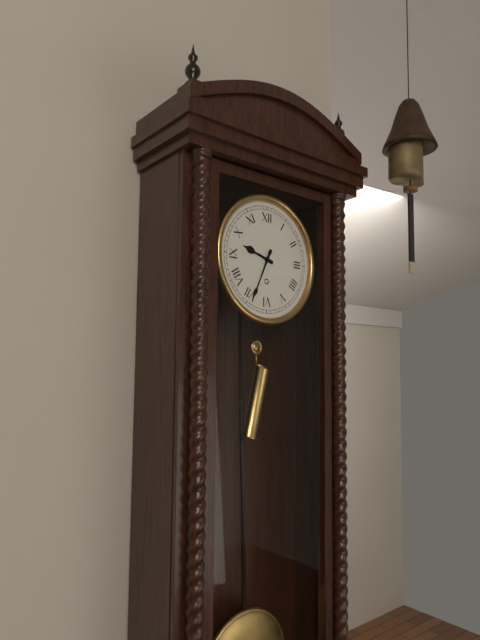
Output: 9.34
